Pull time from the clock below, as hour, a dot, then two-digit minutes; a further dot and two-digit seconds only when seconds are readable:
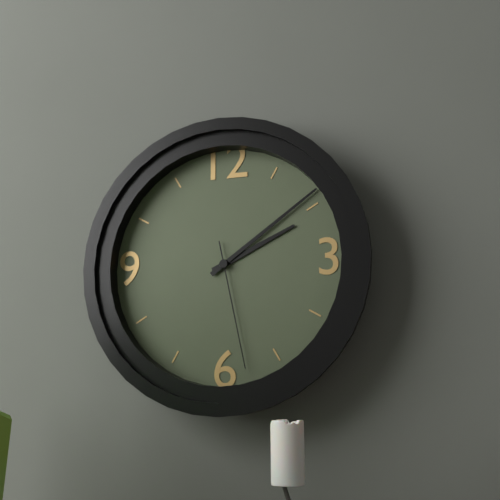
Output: 2.09.28
